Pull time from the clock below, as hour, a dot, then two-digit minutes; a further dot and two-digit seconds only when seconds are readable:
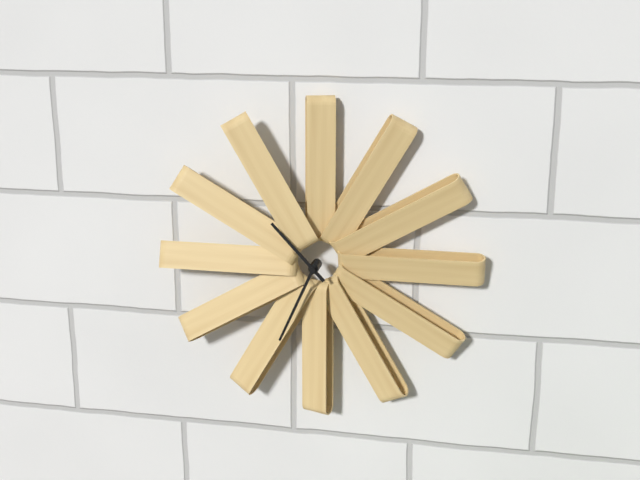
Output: 10.34
